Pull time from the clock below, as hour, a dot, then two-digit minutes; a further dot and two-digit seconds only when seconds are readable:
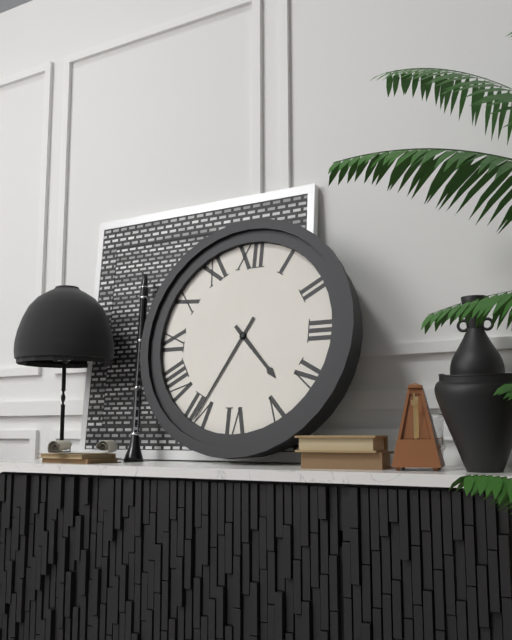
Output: 4.35
